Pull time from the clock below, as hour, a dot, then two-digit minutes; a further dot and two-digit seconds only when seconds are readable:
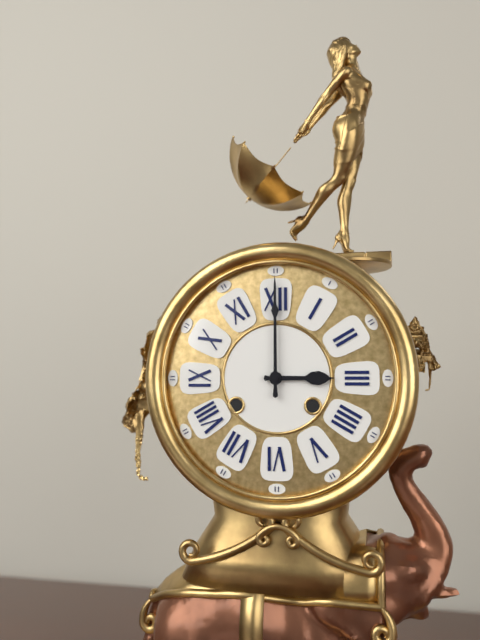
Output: 3.00
